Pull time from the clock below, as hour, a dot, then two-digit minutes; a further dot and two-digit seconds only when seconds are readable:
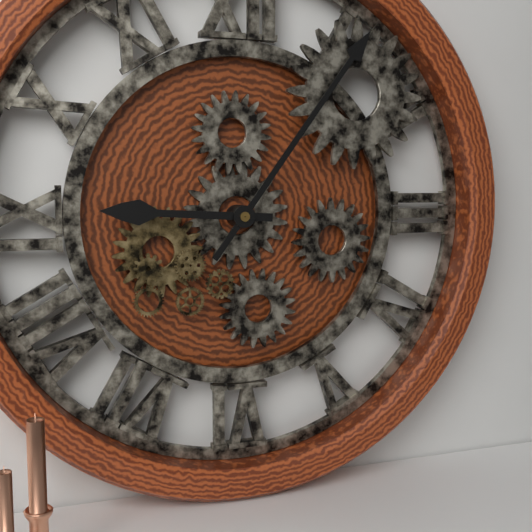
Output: 9.06
